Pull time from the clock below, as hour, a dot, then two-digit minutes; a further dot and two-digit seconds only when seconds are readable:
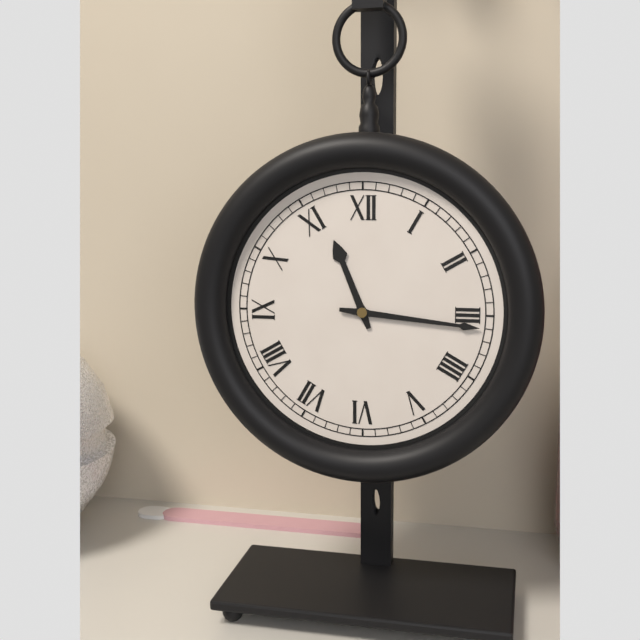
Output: 11.16
